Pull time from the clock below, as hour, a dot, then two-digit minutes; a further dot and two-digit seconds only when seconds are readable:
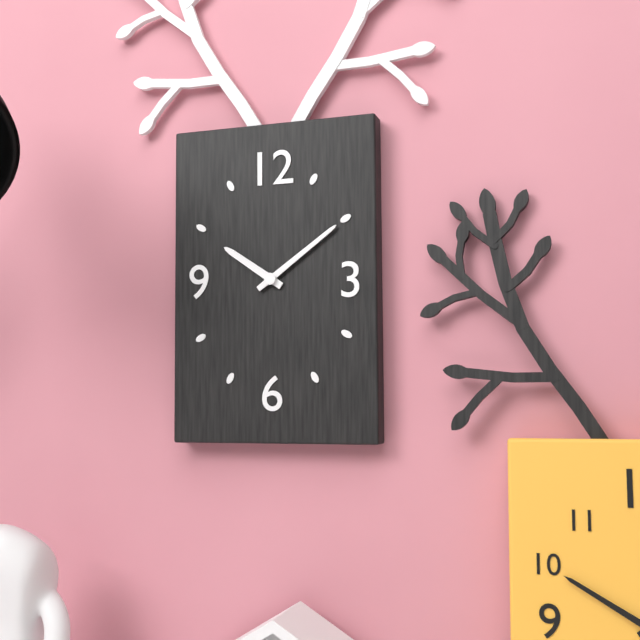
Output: 10.09
